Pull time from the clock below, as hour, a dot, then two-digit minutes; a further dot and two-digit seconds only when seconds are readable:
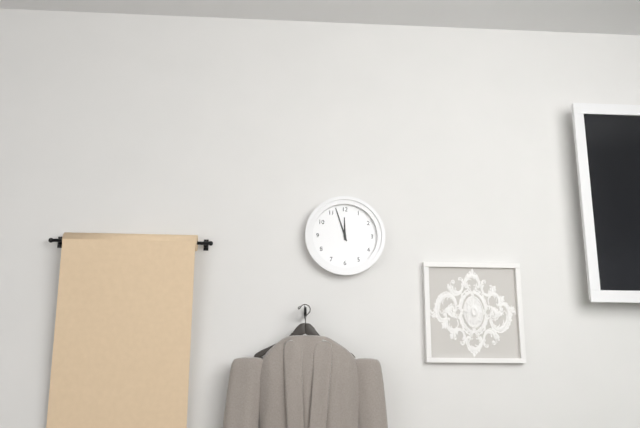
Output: 11.57
